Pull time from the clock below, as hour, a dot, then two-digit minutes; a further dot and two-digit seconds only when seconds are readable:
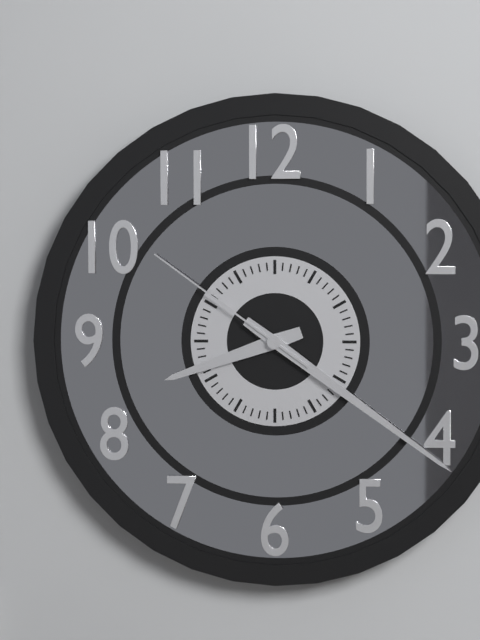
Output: 8.21.51
